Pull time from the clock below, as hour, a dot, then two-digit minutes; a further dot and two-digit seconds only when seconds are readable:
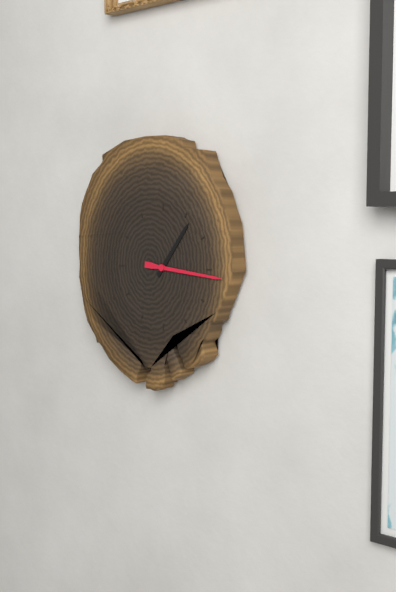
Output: 1.16
